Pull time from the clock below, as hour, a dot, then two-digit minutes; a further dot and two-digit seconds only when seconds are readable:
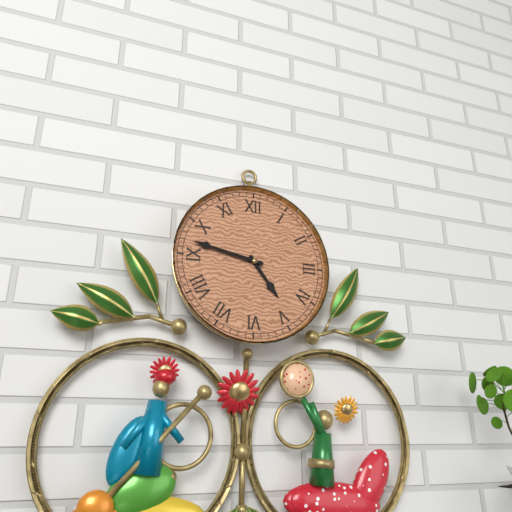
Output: 4.47
